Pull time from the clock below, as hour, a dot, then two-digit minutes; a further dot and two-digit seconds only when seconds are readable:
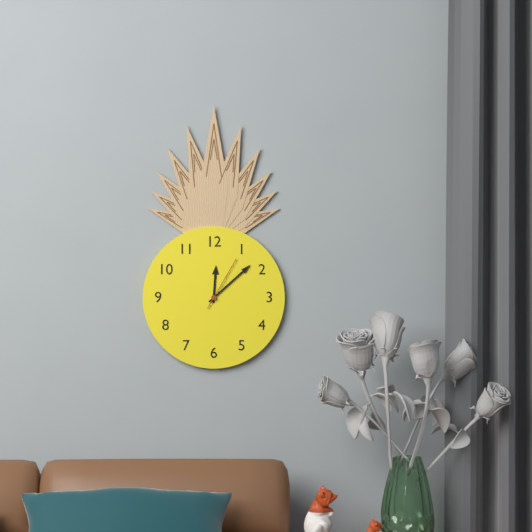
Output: 12.08.05
